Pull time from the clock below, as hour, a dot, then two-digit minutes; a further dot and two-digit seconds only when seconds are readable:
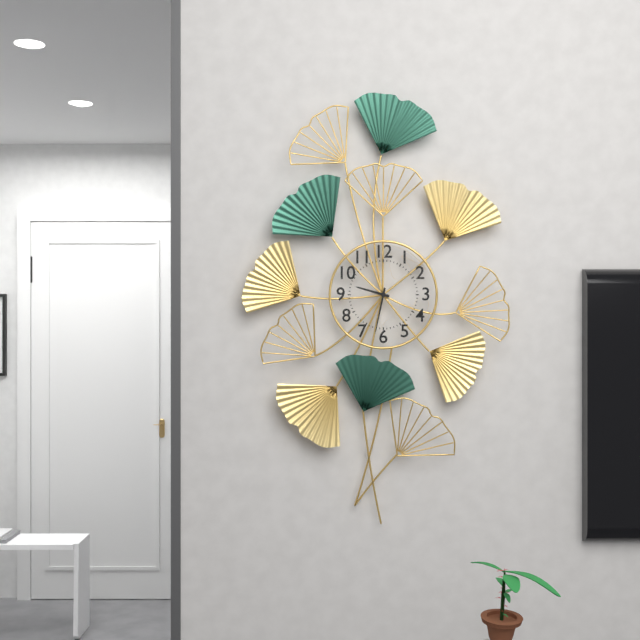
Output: 9.32
